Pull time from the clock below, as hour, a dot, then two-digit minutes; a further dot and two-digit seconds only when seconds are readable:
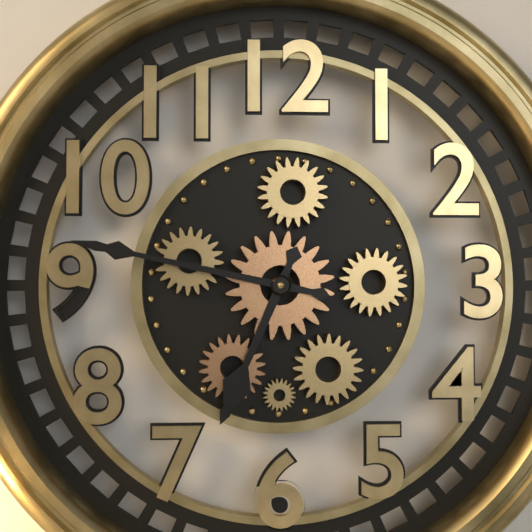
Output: 6.47
